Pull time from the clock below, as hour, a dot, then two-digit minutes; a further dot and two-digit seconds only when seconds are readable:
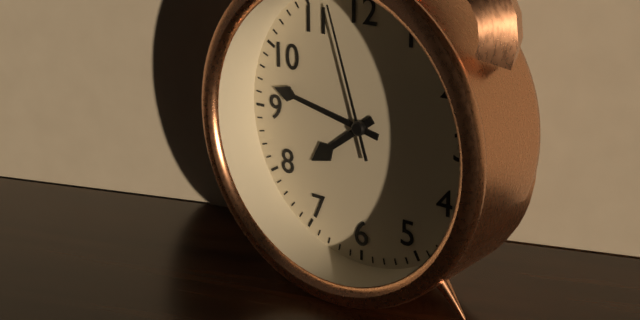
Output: 7.47.57
